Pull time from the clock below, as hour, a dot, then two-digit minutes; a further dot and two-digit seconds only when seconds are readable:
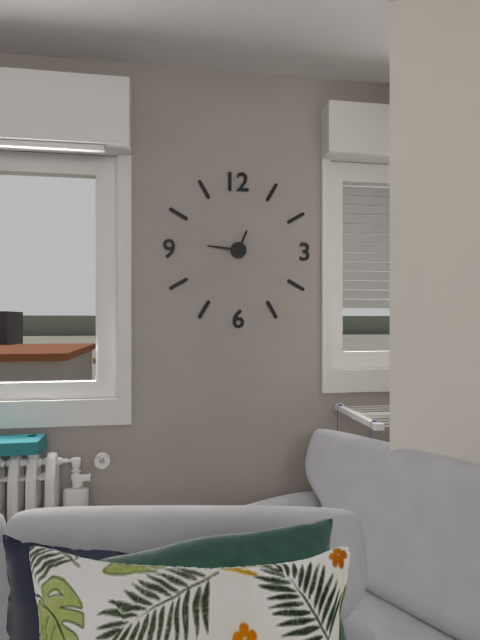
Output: 12.46
